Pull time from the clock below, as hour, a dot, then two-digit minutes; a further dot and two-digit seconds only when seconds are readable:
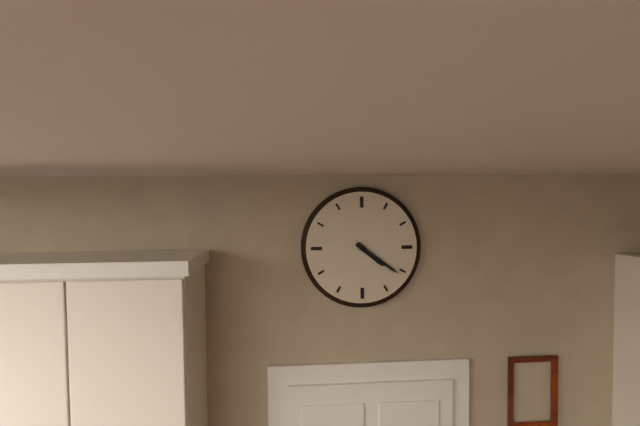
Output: 4.21
